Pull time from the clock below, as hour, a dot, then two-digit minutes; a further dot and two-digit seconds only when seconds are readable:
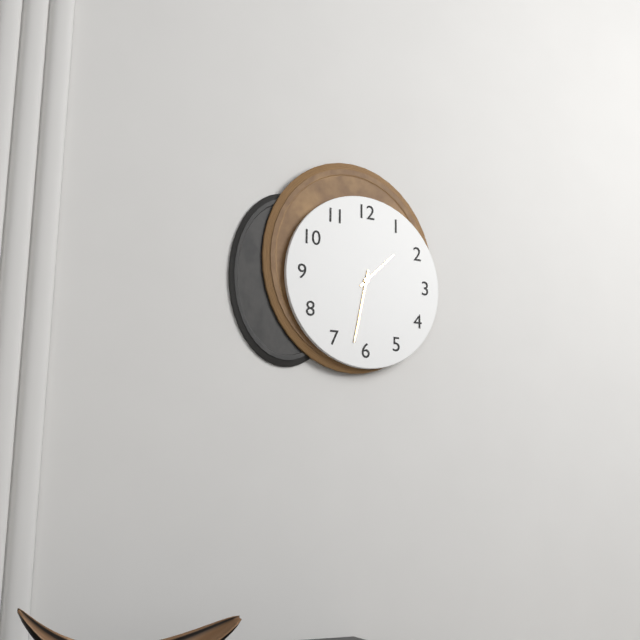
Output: 1.32
